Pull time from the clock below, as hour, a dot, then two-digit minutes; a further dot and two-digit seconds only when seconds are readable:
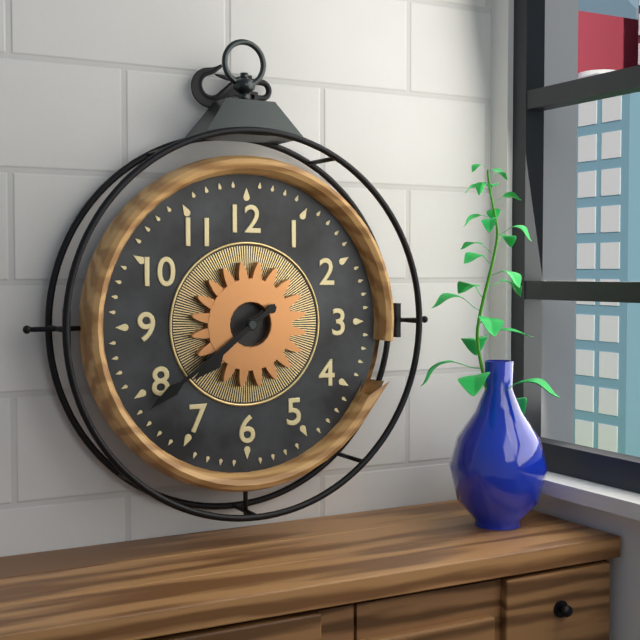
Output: 7.39
